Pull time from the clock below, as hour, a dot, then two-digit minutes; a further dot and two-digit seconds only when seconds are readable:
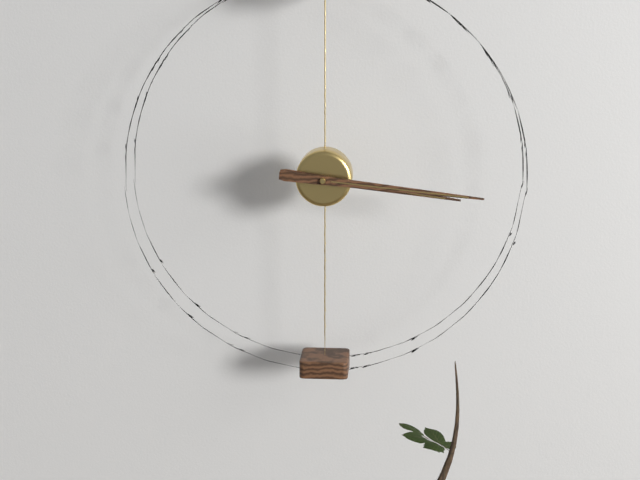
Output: 3.16
